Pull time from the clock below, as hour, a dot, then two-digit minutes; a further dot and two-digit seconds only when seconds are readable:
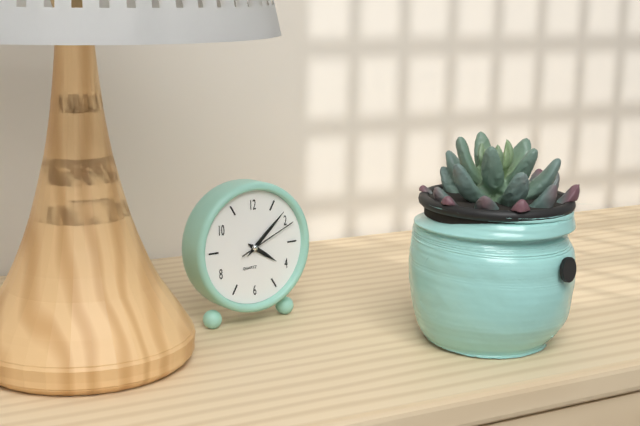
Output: 4.08.11
